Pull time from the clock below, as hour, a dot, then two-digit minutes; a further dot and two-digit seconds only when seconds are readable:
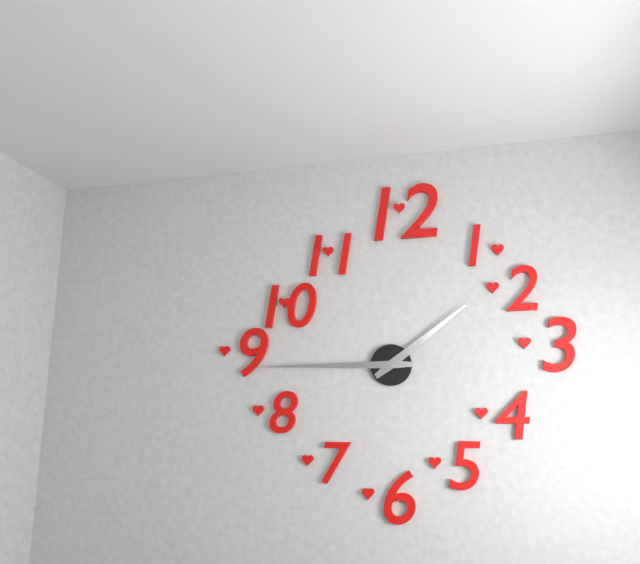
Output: 1.45
